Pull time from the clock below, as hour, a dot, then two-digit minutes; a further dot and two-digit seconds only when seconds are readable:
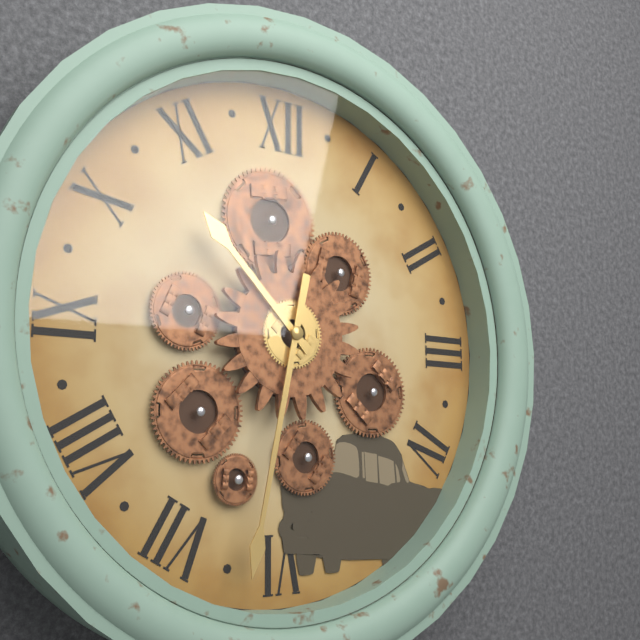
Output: 10.32
